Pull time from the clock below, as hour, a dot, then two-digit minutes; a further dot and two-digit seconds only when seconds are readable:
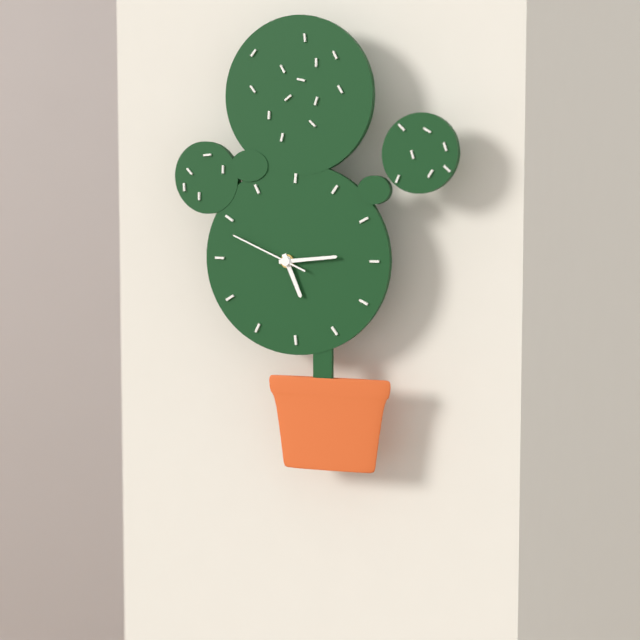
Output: 5.14.49
